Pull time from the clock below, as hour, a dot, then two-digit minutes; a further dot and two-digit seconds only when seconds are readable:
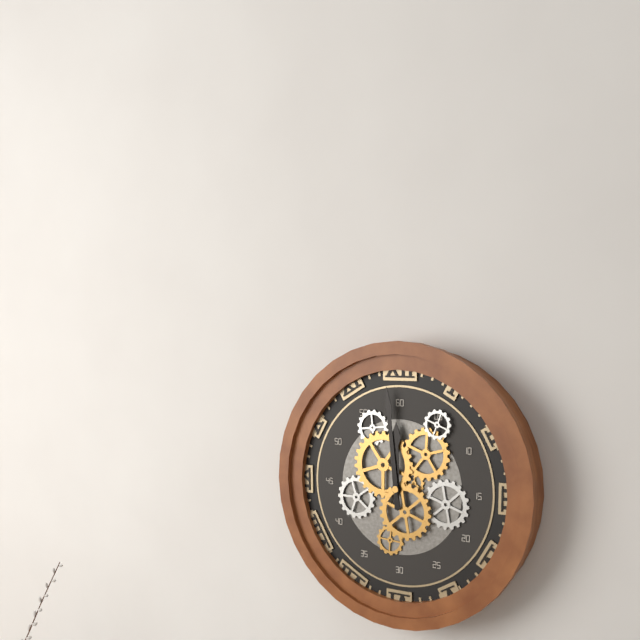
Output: 11.59
